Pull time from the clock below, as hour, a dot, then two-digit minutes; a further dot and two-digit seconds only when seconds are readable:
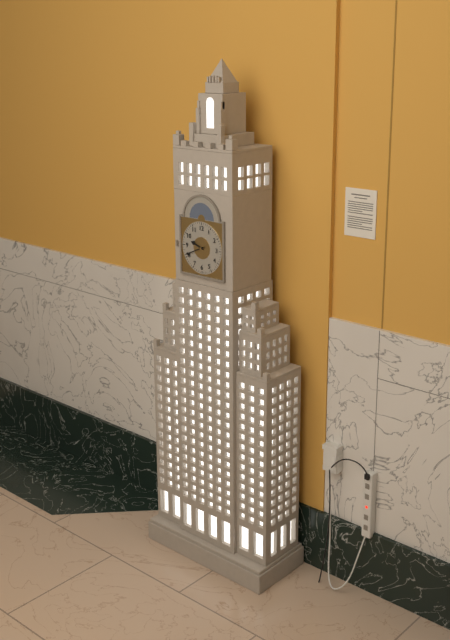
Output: 9.41
